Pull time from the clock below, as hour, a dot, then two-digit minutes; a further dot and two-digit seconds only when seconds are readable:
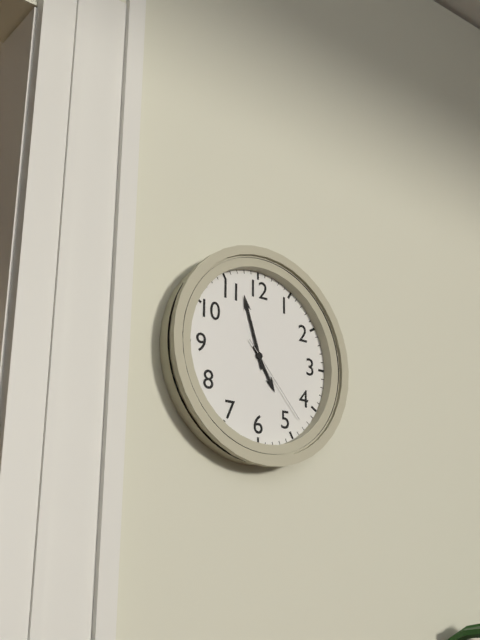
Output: 4.57.23
